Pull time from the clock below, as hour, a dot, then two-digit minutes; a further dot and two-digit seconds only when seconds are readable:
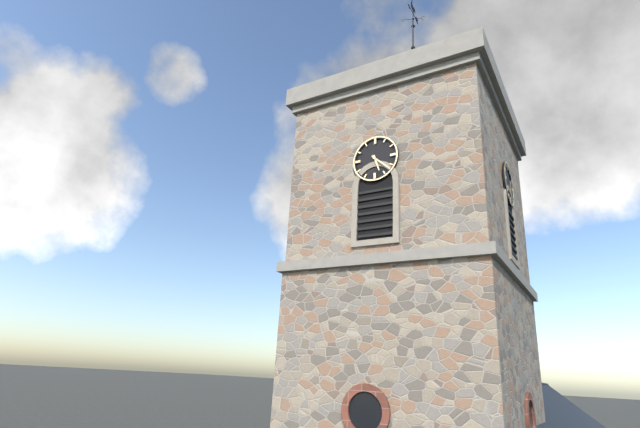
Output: 5.22
